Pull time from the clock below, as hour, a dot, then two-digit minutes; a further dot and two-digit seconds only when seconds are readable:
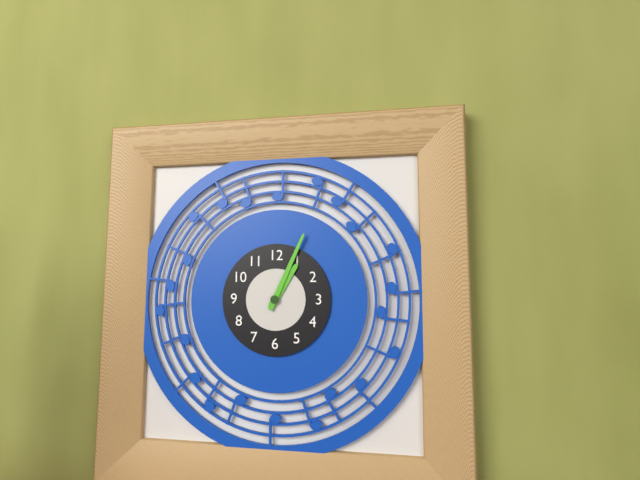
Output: 1.04
